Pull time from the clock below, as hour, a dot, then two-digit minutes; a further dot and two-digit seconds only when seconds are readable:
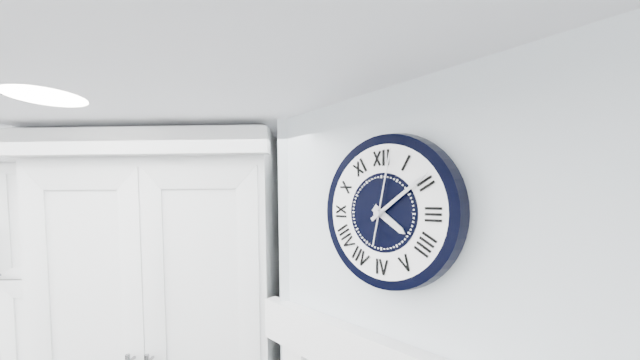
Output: 4.09.02
